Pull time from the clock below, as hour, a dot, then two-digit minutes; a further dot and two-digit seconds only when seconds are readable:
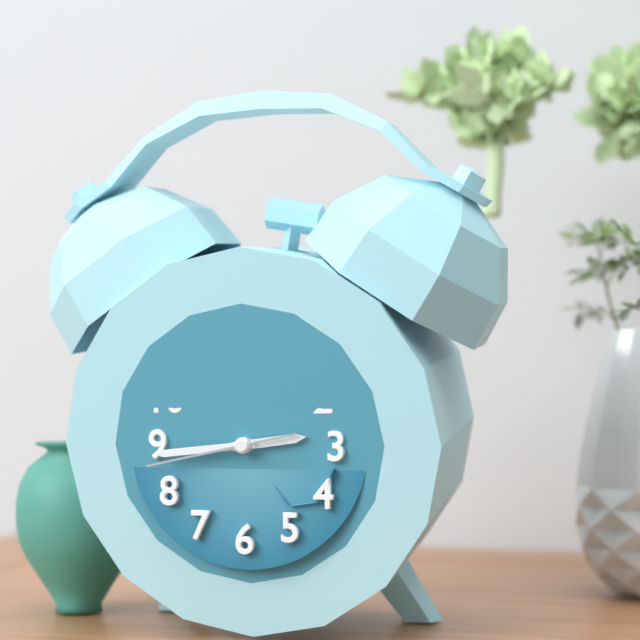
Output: 2.44.43
